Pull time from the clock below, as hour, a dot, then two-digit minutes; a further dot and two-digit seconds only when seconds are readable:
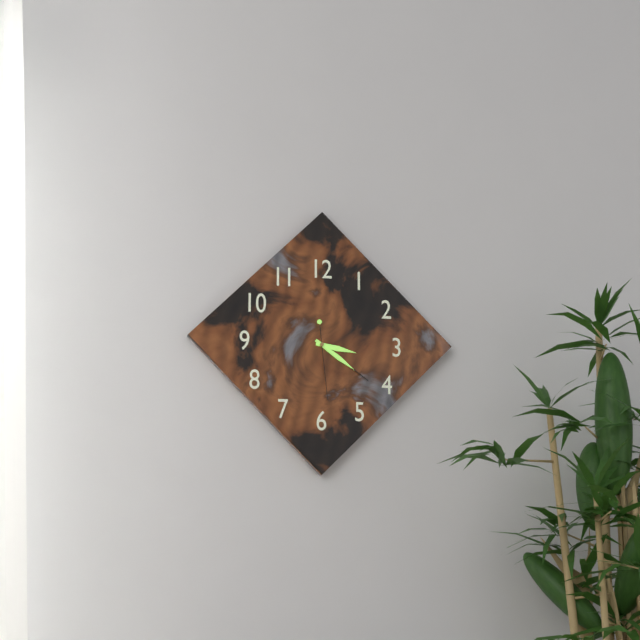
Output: 3.21.29
